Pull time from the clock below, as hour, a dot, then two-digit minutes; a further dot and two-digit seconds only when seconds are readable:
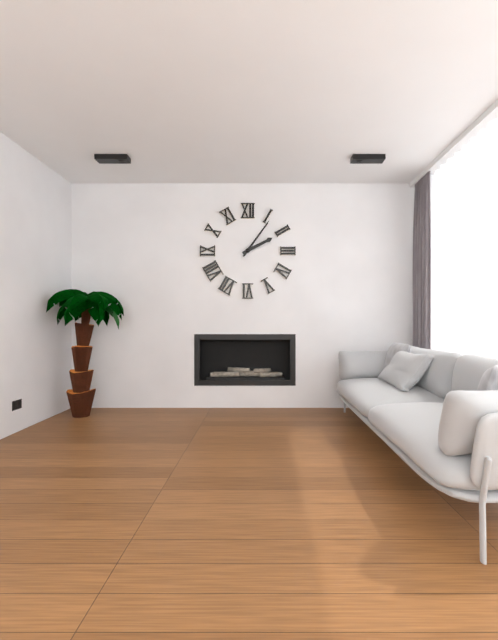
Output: 2.06
